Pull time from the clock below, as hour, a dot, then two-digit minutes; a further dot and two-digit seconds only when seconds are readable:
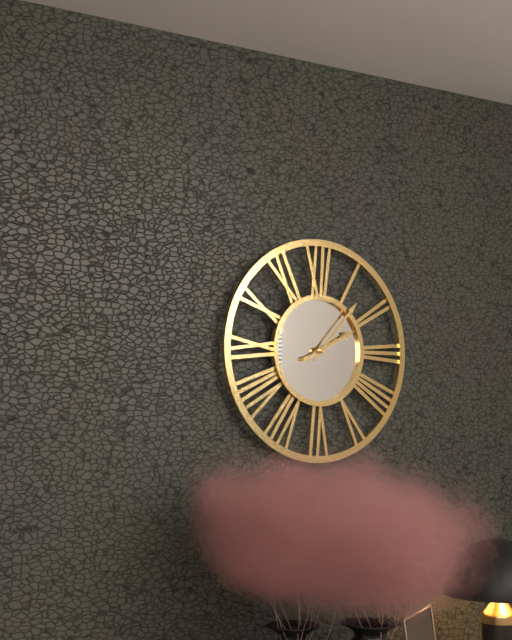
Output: 2.07
